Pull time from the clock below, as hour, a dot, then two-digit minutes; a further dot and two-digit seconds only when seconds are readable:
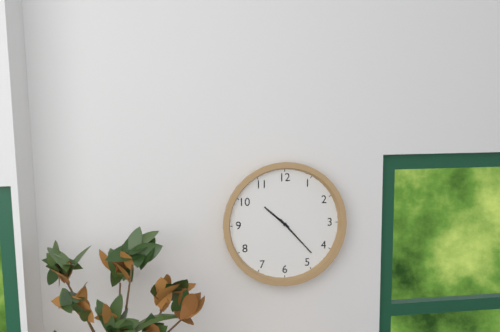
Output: 10.23
